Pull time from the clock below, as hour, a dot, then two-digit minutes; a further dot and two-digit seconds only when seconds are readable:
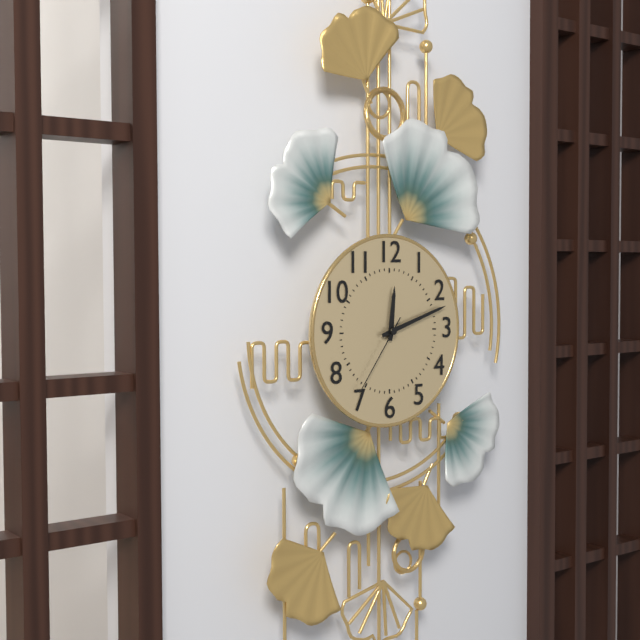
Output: 12.12.36
